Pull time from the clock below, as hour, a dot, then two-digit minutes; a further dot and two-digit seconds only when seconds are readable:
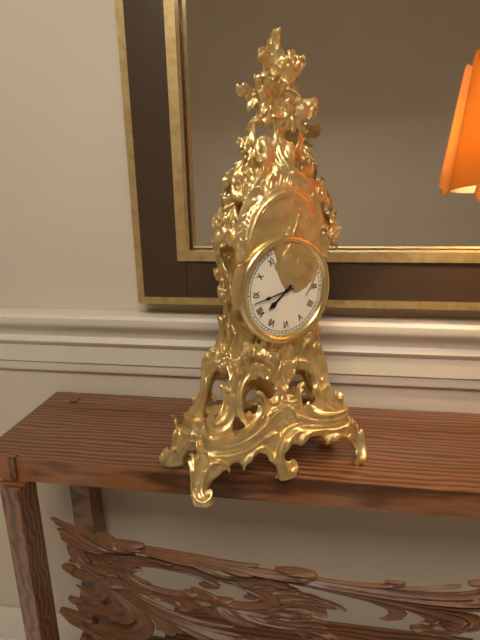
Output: 7.43
